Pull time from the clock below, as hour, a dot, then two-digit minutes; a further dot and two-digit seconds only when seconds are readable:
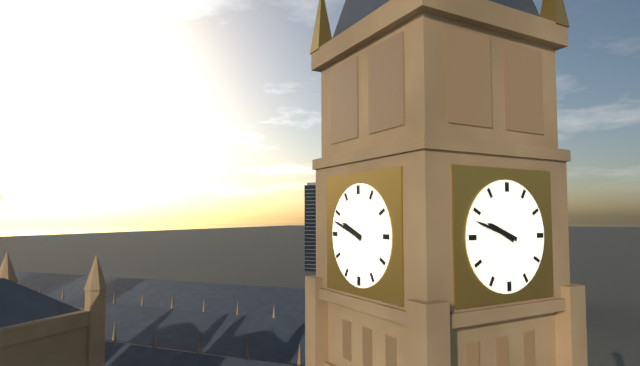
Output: 9.48
